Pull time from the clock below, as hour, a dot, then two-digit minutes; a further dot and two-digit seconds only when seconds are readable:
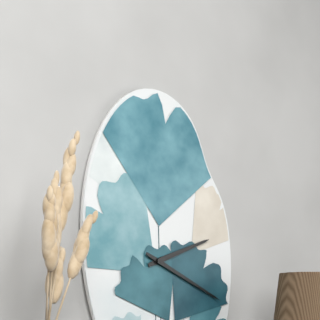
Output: 2.19
